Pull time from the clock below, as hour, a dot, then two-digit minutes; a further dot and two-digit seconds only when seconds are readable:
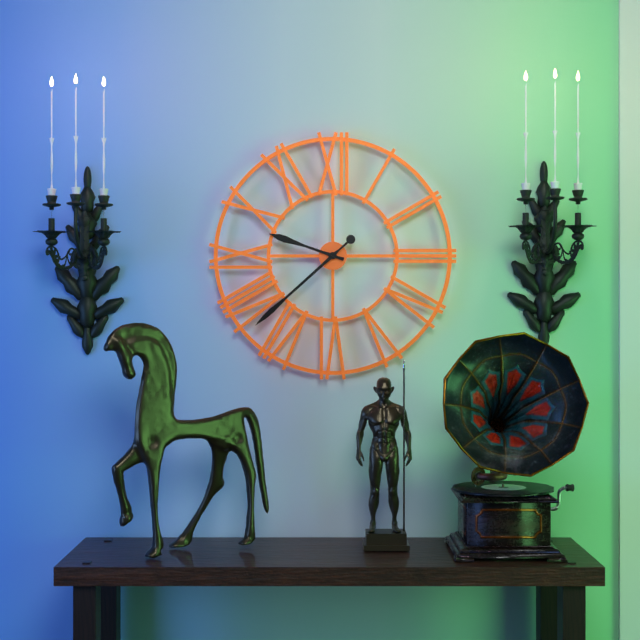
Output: 9.38
